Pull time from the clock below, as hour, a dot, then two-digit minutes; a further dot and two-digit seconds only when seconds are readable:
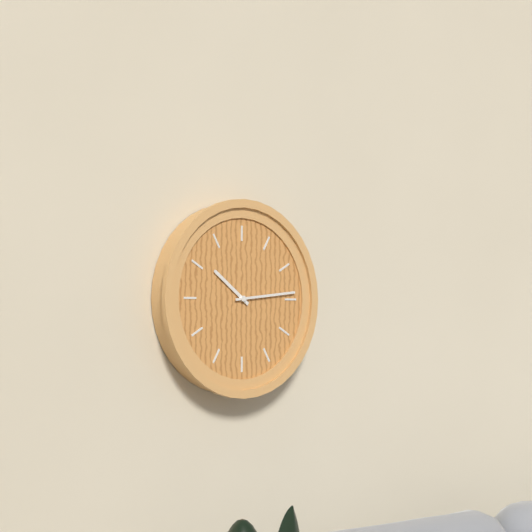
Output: 10.14
